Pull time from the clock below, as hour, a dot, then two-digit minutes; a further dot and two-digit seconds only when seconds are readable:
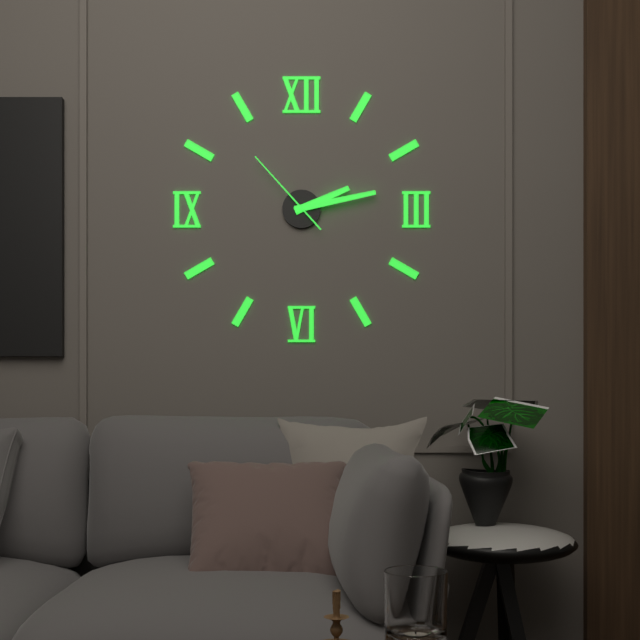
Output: 2.13.53
